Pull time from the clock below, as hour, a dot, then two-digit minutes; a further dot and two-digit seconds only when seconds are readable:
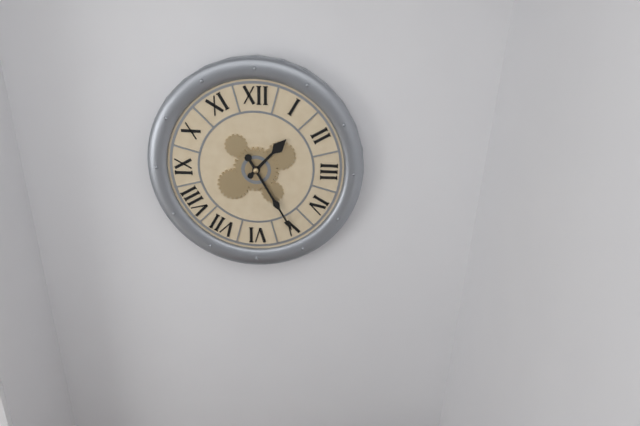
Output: 1.25
